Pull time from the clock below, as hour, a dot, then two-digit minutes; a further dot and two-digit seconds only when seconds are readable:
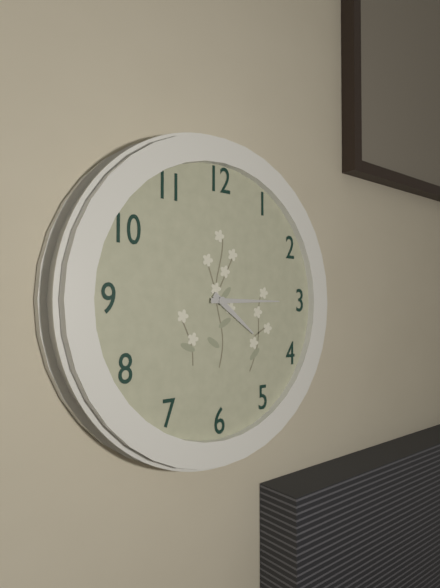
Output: 4.15
